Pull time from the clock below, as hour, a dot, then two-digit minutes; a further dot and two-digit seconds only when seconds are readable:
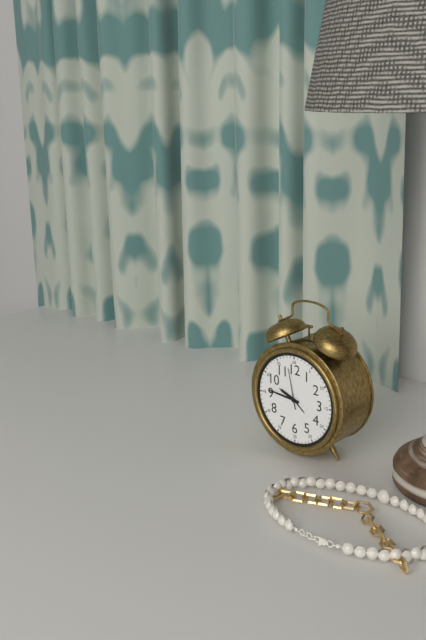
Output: 9.46
